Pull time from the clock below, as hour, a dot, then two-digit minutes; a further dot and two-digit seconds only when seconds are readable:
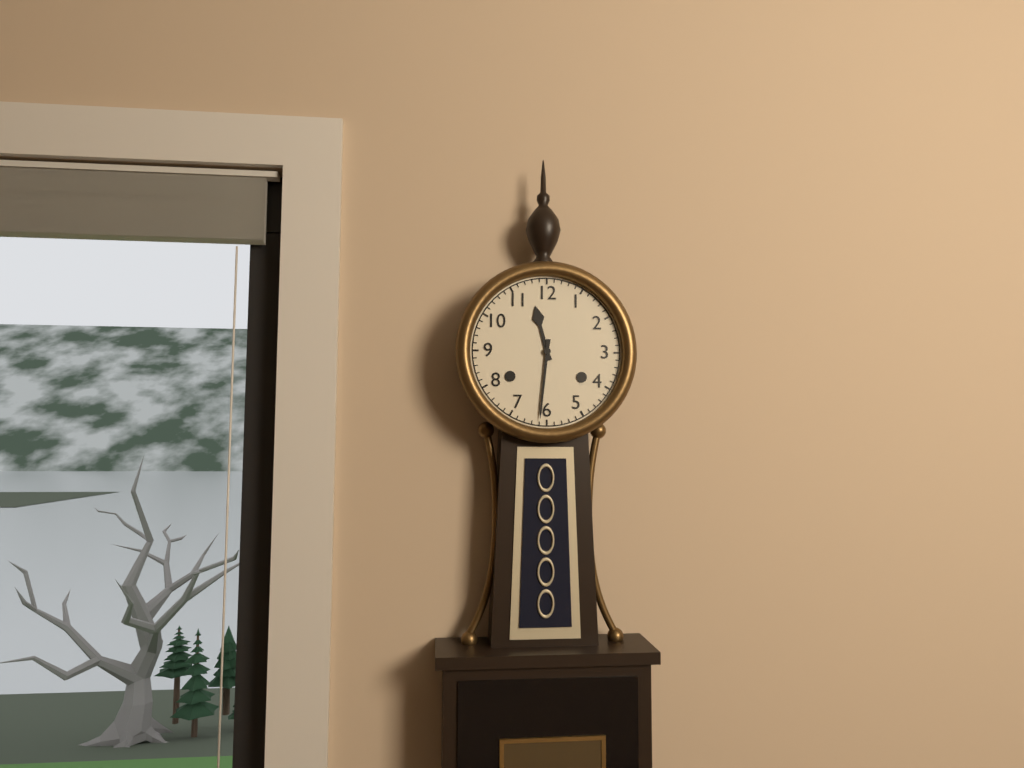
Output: 11.31
